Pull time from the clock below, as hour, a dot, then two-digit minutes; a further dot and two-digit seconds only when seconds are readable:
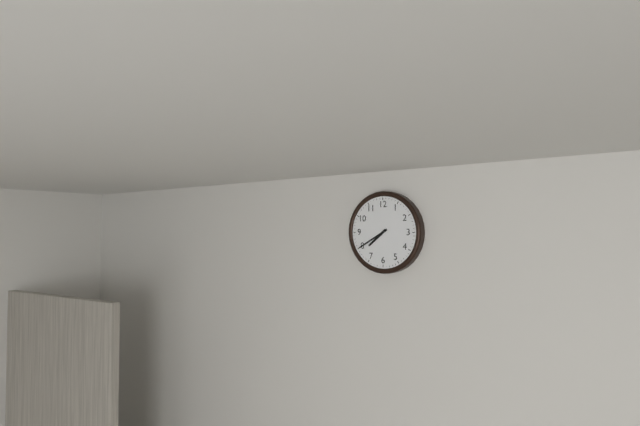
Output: 7.40
